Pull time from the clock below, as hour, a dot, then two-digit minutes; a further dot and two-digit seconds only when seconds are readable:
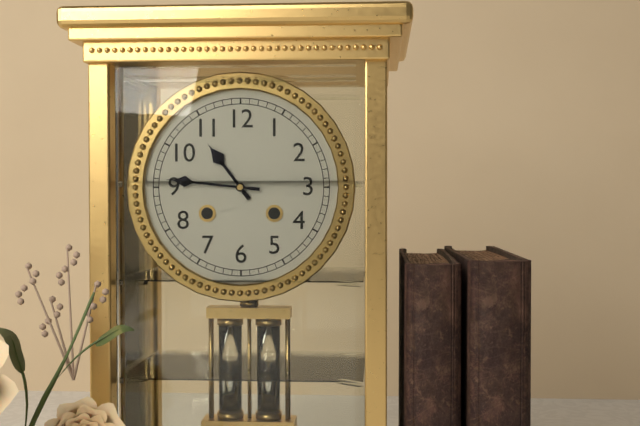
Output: 10.46
